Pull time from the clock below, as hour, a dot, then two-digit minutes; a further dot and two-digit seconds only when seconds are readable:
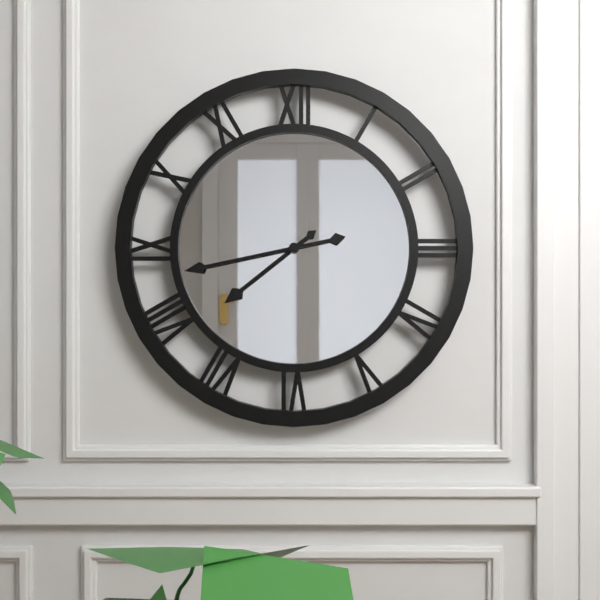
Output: 7.43
